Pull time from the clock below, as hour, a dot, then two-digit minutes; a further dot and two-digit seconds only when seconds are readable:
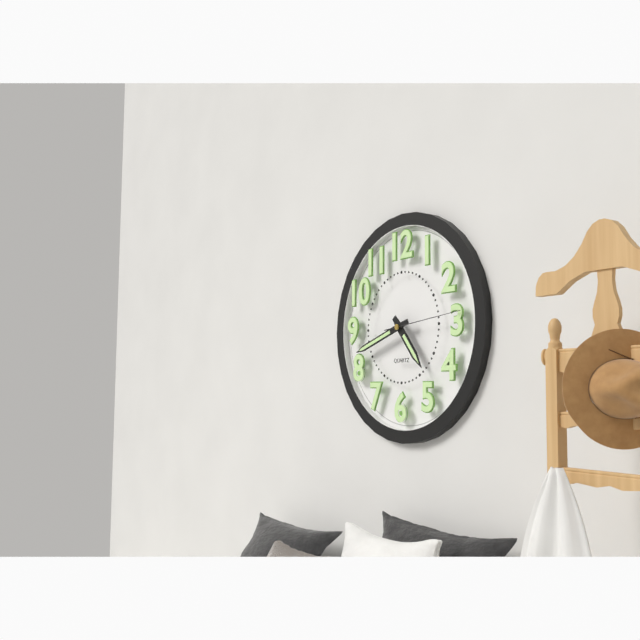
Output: 4.42.14
